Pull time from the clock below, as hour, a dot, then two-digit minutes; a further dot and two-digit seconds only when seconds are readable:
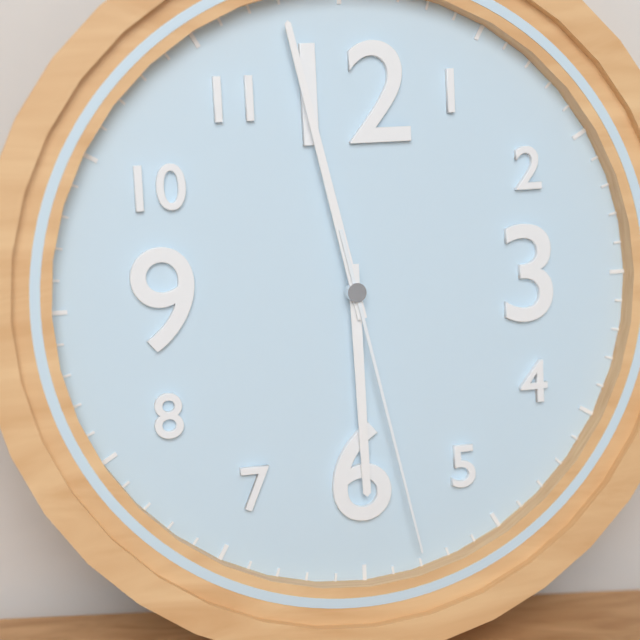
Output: 5.58.28
